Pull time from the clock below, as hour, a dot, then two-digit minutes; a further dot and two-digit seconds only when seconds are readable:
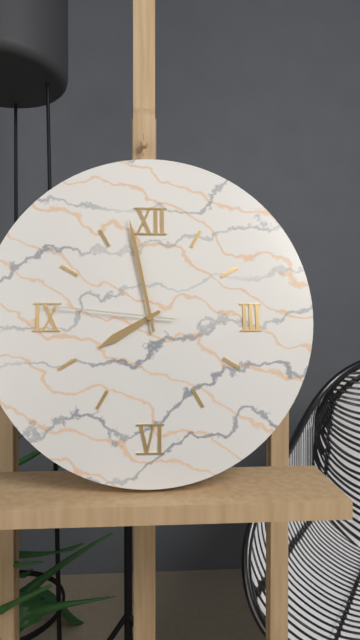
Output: 7.58.46
